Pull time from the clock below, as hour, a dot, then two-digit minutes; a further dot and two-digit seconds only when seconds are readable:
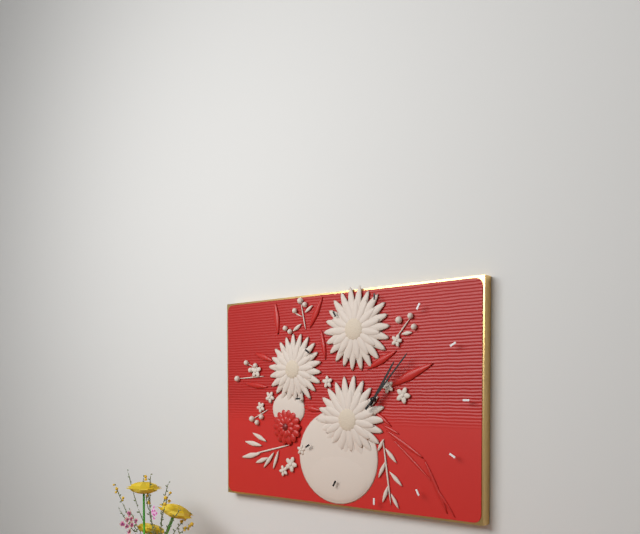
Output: 1.07
